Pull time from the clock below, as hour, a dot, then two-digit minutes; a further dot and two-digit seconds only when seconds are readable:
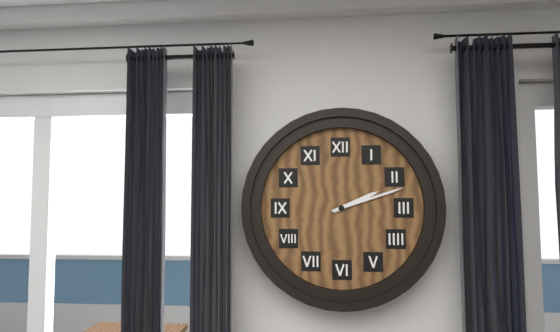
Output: 2.12
